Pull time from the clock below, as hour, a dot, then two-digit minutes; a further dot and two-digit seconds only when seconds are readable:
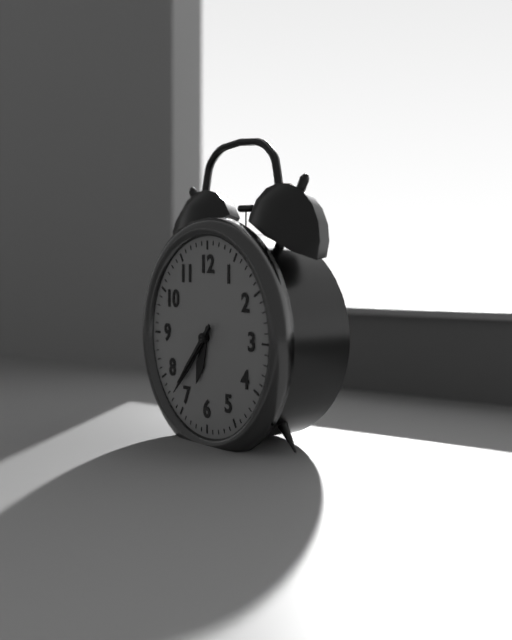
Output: 6.37.37
